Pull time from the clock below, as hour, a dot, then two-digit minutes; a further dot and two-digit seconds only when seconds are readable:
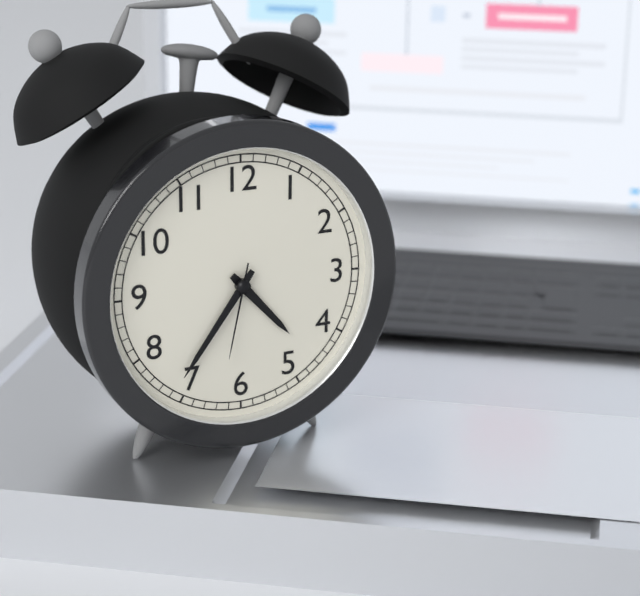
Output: 4.36.32
